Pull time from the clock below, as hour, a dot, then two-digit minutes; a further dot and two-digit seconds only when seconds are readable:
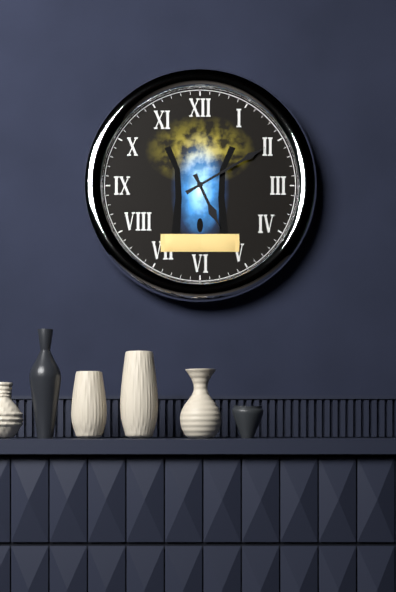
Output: 5.10
